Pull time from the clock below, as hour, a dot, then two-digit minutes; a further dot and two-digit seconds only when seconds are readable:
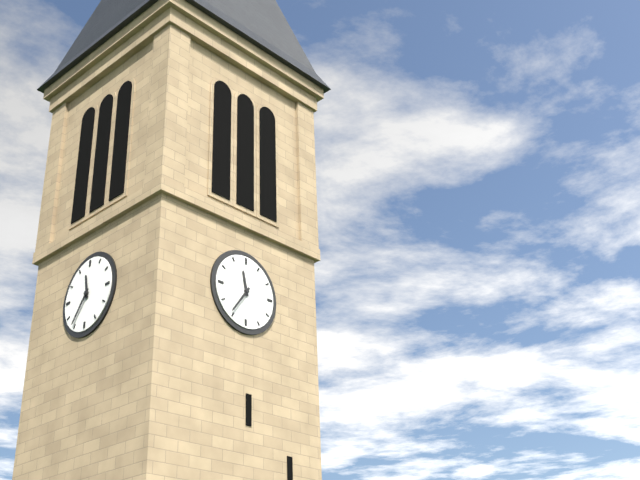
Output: 11.36
